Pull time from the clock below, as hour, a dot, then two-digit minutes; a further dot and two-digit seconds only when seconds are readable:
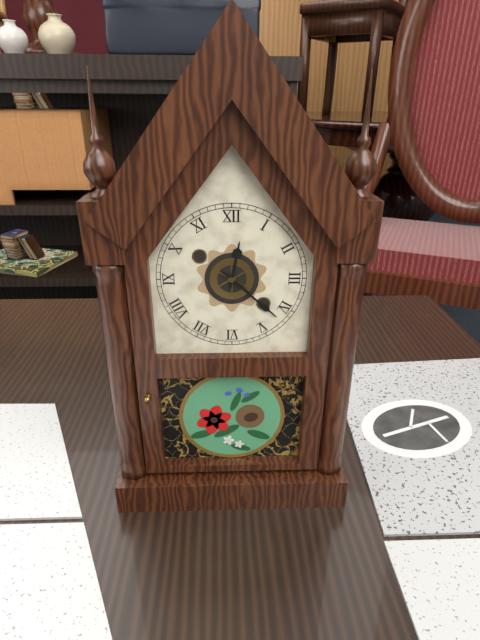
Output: 12.22
